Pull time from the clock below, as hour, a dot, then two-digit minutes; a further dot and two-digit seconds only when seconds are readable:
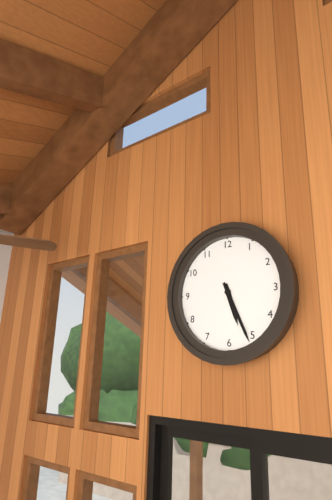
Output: 5.26
